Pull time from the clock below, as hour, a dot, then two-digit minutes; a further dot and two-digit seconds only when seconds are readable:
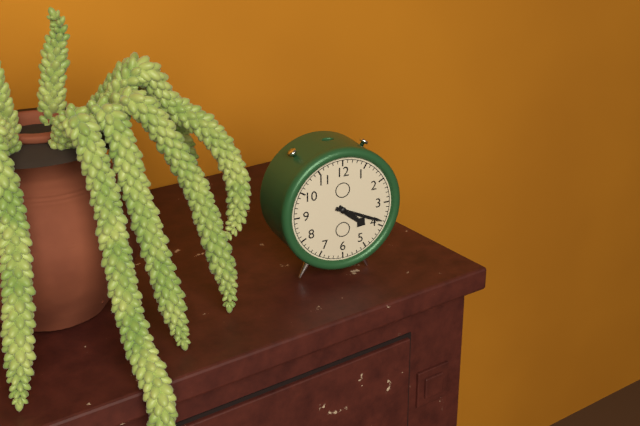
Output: 4.19
